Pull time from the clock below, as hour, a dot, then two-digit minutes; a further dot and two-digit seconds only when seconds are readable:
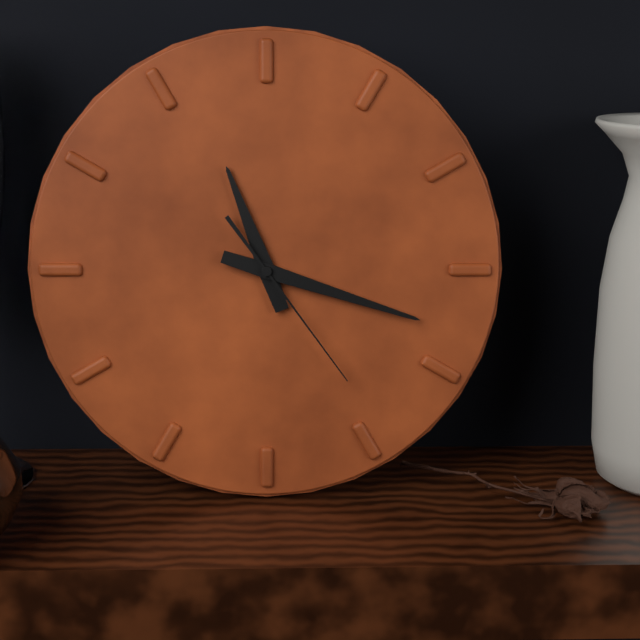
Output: 11.18.24
